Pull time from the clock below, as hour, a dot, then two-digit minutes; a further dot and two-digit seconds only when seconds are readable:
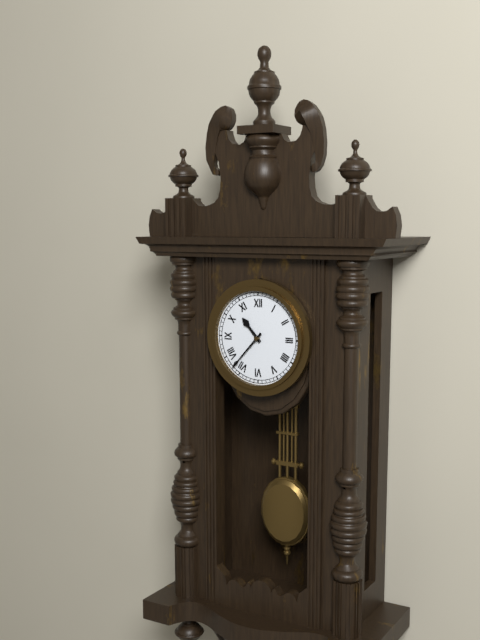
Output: 10.37
